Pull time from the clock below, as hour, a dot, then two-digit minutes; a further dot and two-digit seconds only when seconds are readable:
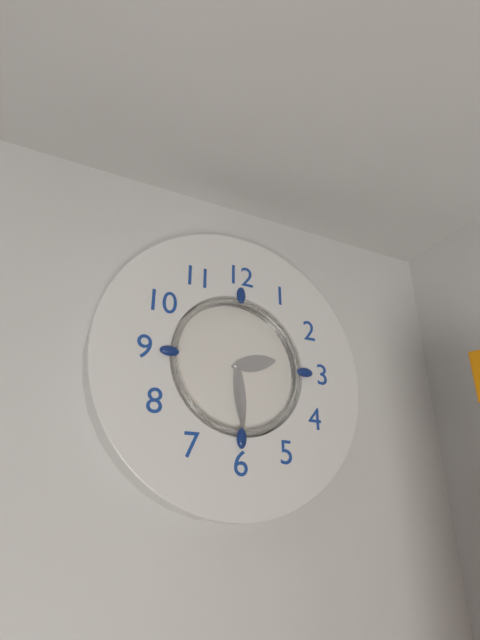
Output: 2.29
